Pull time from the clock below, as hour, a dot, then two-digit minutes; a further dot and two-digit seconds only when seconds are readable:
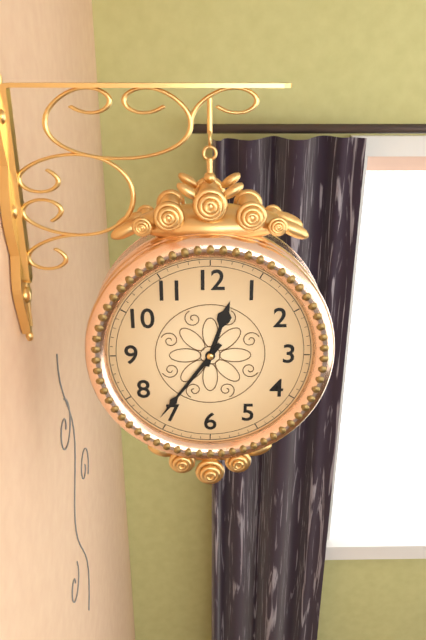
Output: 12.36
